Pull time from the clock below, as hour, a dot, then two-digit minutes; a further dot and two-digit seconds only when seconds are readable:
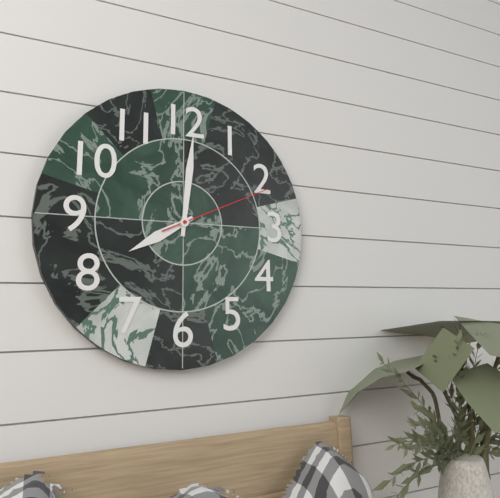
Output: 8.01.11
